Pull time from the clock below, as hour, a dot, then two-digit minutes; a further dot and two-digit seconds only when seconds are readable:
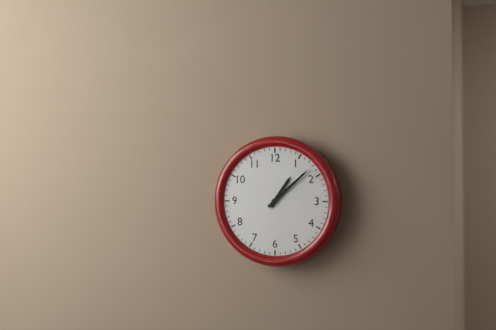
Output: 1.08
